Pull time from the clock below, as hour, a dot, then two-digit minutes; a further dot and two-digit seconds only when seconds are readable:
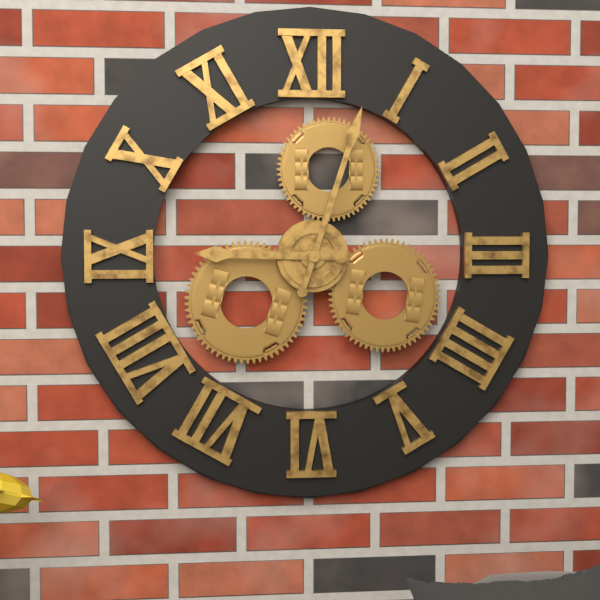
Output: 9.03
